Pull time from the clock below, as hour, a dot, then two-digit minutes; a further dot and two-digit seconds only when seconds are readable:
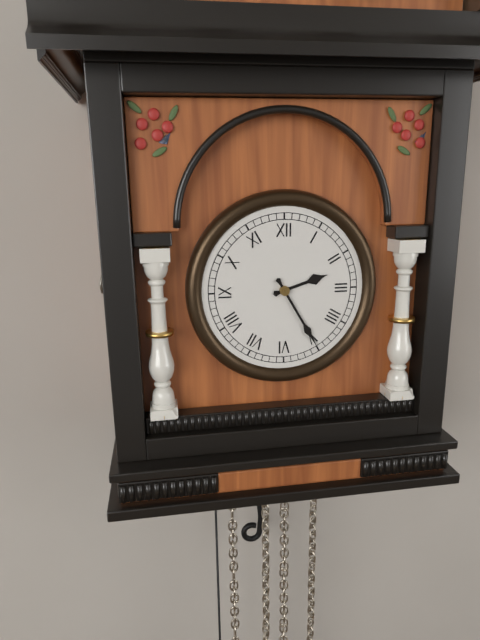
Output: 2.25
